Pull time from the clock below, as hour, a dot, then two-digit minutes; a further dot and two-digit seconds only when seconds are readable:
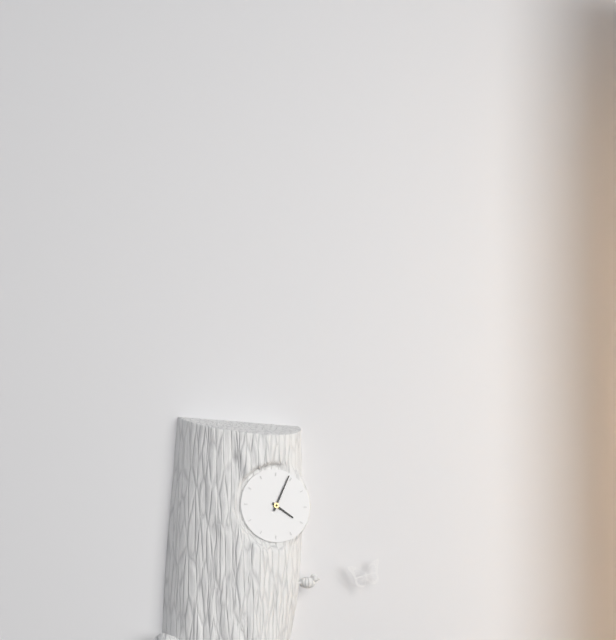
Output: 4.04
